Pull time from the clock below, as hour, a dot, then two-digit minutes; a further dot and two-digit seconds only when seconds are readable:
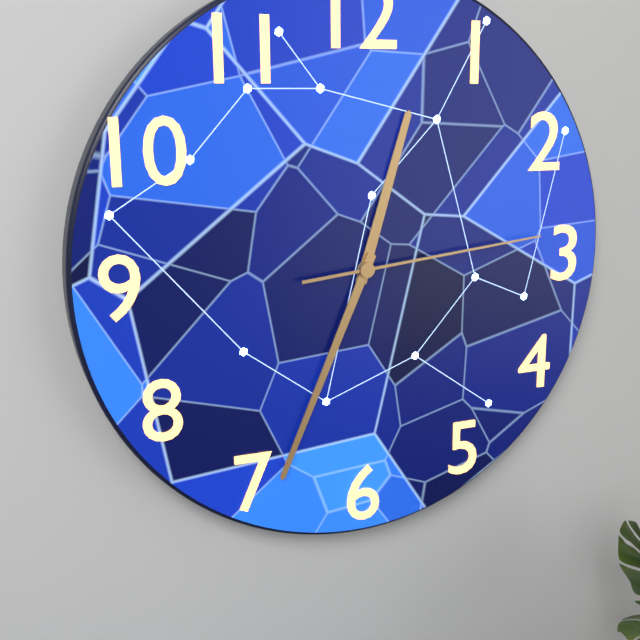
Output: 12.34.14
